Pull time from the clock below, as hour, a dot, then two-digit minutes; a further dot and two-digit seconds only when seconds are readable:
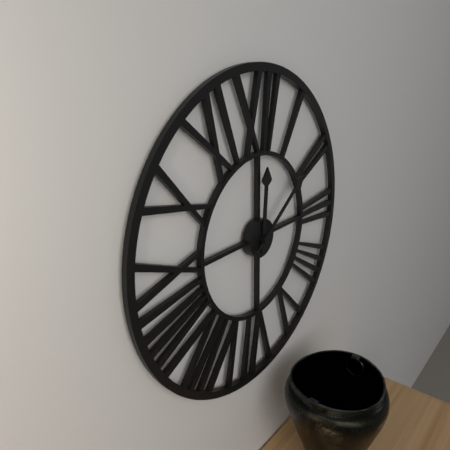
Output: 12.09
